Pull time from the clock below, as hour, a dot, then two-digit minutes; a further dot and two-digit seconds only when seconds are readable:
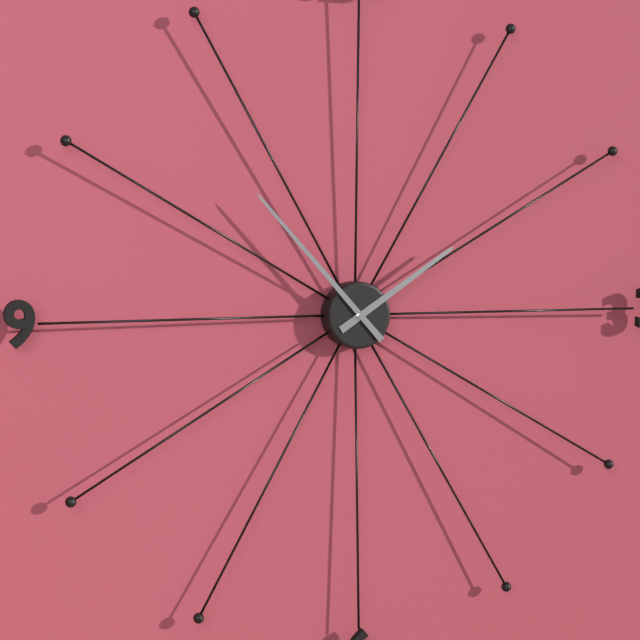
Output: 1.53
